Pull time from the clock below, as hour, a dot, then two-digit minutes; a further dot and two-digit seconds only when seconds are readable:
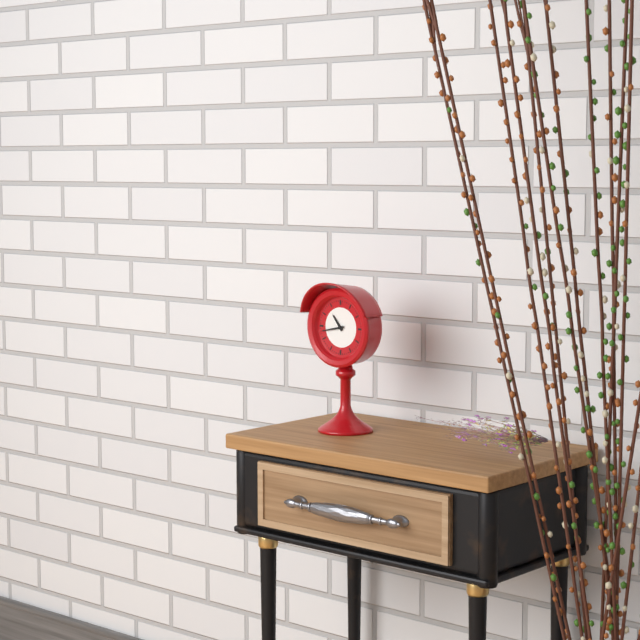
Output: 10.43
